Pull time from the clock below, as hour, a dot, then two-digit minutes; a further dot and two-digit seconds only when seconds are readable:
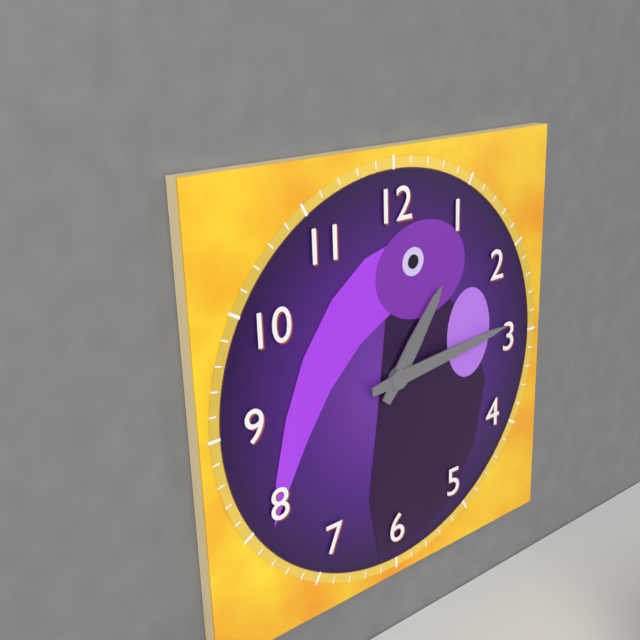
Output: 1.14
